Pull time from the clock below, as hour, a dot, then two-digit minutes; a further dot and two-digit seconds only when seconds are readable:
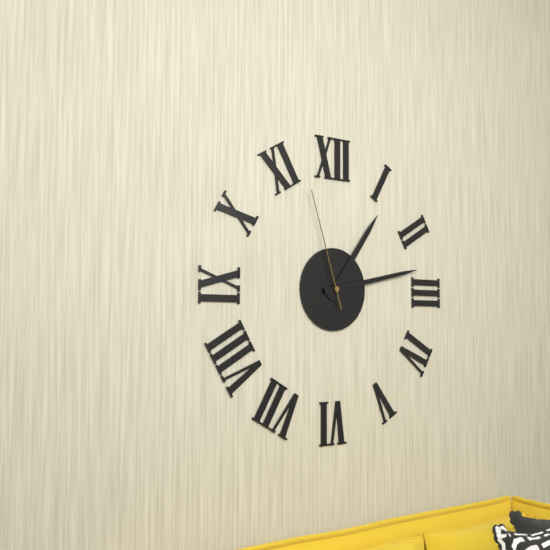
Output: 1.13.57
